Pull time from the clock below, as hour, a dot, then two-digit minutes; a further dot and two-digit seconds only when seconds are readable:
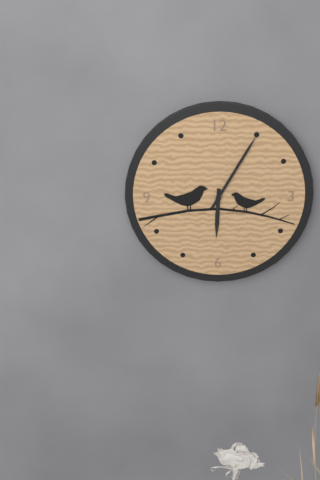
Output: 6.05
